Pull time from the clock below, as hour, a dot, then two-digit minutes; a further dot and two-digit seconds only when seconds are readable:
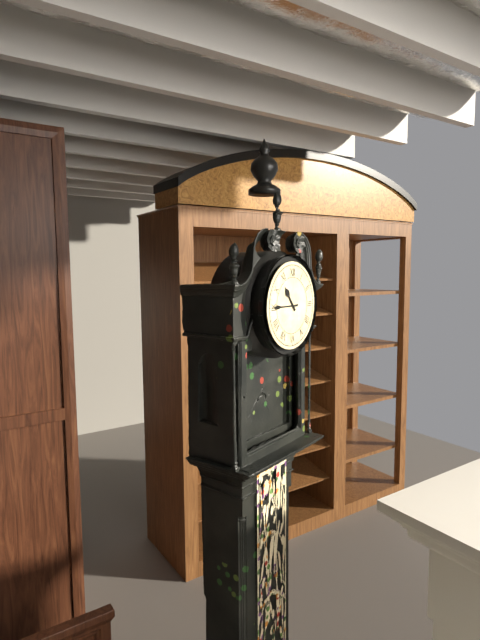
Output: 10.45
